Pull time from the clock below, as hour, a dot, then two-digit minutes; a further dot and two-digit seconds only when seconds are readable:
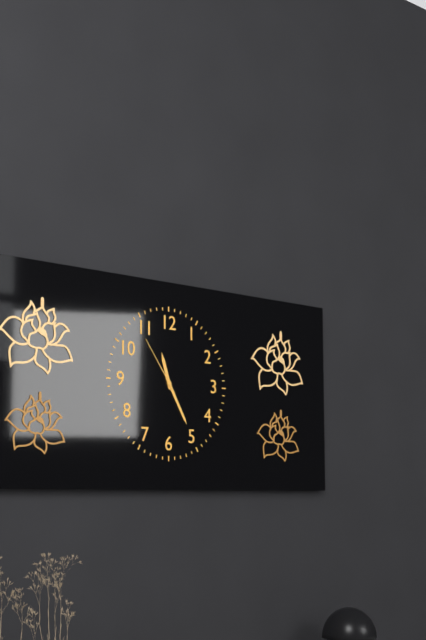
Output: 11.25.54
